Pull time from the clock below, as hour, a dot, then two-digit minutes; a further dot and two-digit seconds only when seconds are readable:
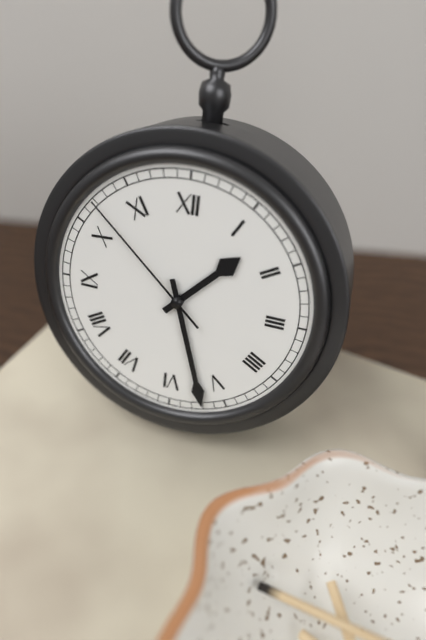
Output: 1.27.52
